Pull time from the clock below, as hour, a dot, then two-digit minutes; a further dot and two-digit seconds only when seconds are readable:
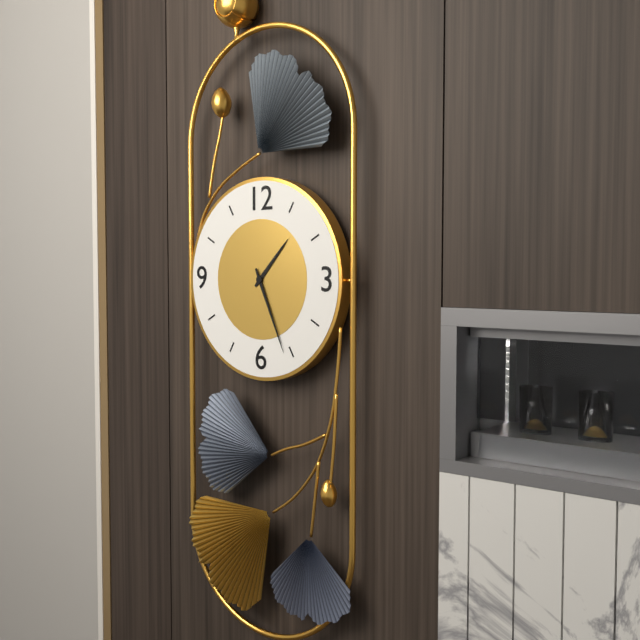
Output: 1.26
